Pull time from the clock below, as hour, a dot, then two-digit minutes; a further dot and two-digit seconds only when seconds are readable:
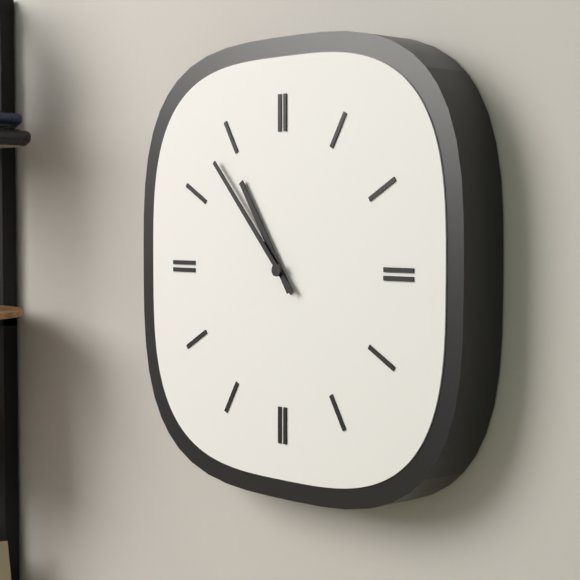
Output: 10.53
